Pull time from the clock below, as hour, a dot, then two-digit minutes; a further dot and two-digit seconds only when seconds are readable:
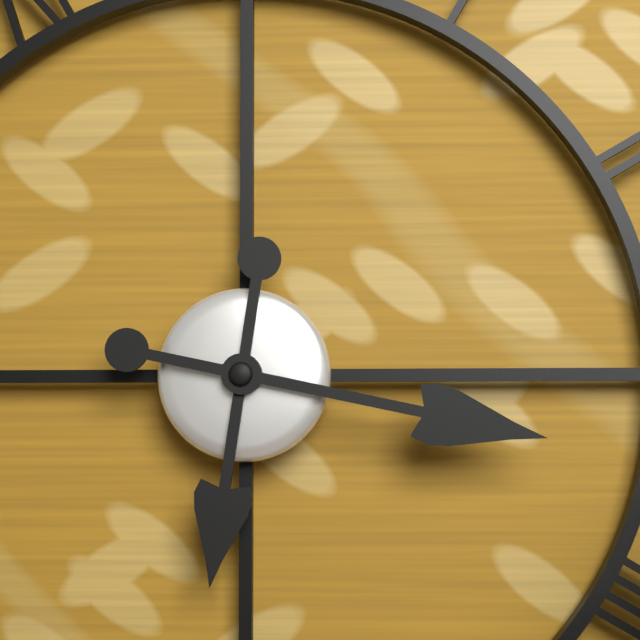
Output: 6.17
